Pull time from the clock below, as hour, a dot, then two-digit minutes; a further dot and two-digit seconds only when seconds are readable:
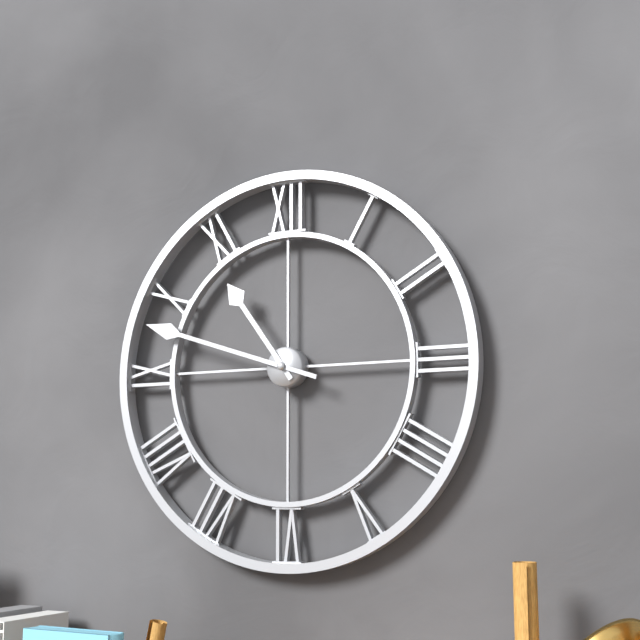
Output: 10.48
